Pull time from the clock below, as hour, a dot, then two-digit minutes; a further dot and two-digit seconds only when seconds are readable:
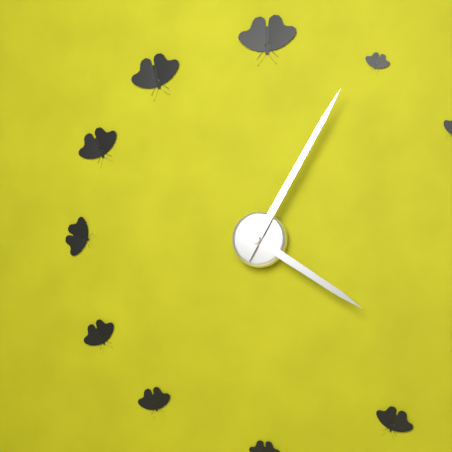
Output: 4.05
